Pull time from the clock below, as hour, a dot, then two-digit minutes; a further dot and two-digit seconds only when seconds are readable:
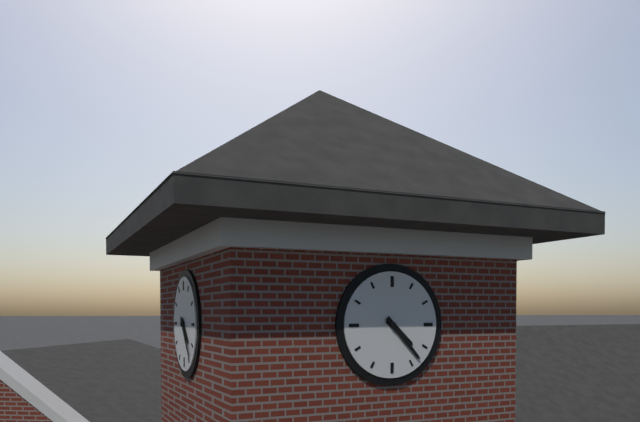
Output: 4.23
